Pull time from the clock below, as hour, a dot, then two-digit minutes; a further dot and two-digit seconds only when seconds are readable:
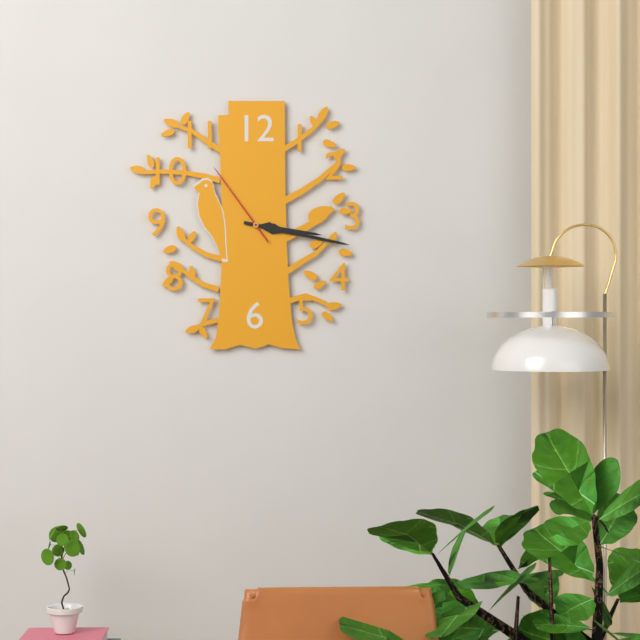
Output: 3.17.54
